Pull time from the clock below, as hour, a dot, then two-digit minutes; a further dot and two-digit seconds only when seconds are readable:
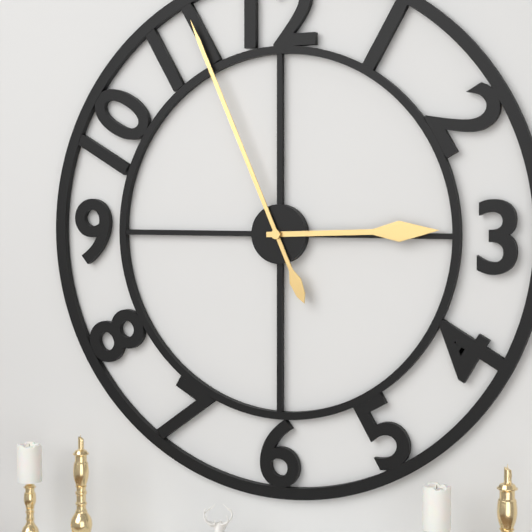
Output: 2.56
